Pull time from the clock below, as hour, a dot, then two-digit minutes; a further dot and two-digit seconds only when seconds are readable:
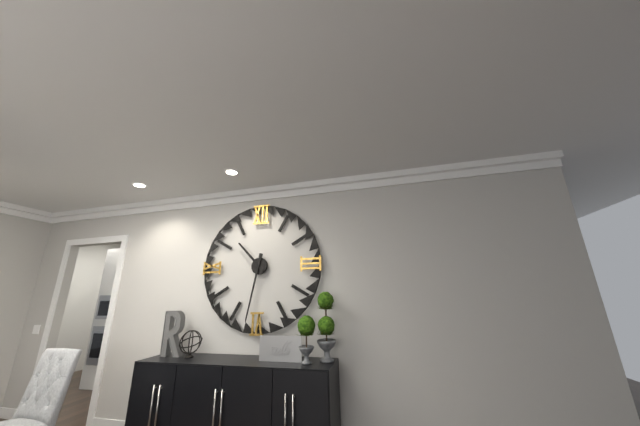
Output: 10.32
